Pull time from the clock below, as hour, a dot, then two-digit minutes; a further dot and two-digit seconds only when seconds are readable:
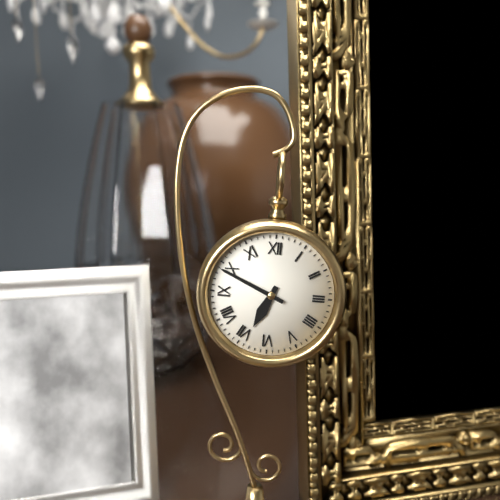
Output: 6.49
